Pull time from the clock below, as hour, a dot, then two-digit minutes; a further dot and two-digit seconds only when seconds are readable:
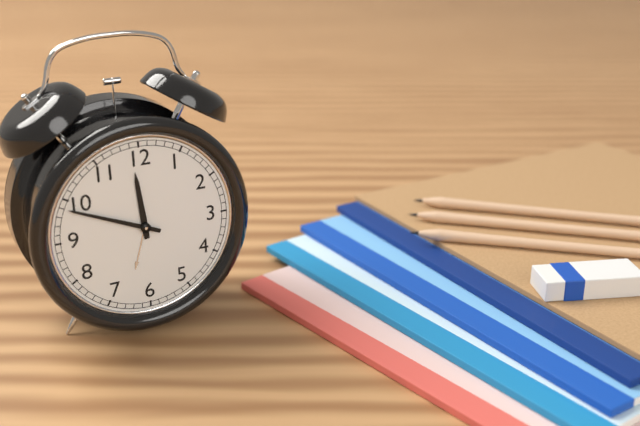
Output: 11.49
